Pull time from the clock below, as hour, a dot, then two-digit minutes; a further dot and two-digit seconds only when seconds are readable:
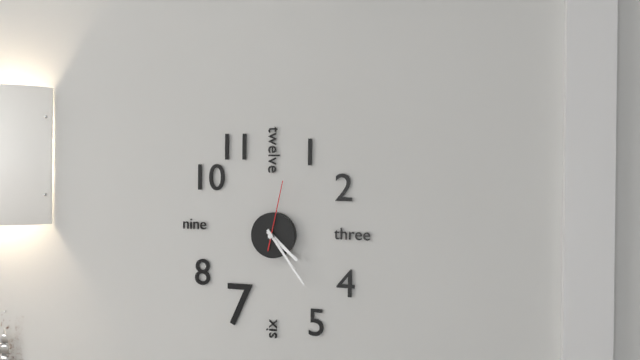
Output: 4.24.02
